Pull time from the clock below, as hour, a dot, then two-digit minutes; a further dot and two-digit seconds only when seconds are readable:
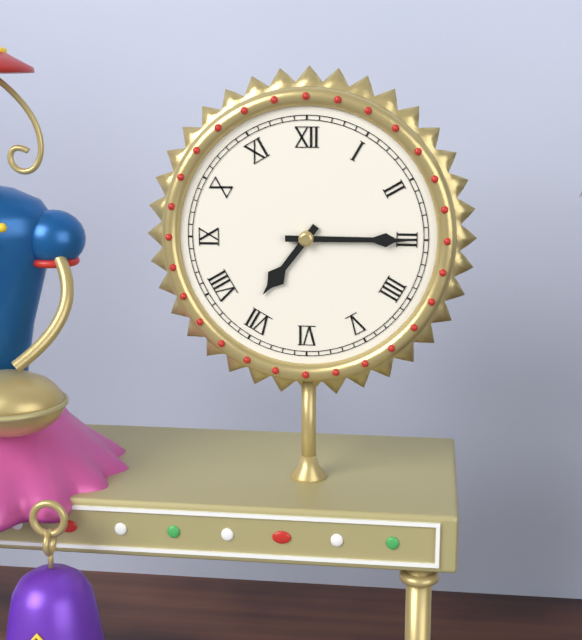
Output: 7.15
